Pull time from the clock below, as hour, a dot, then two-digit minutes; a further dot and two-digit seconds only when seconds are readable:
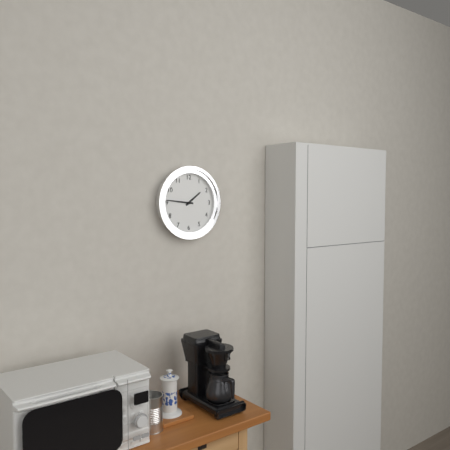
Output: 1.46
